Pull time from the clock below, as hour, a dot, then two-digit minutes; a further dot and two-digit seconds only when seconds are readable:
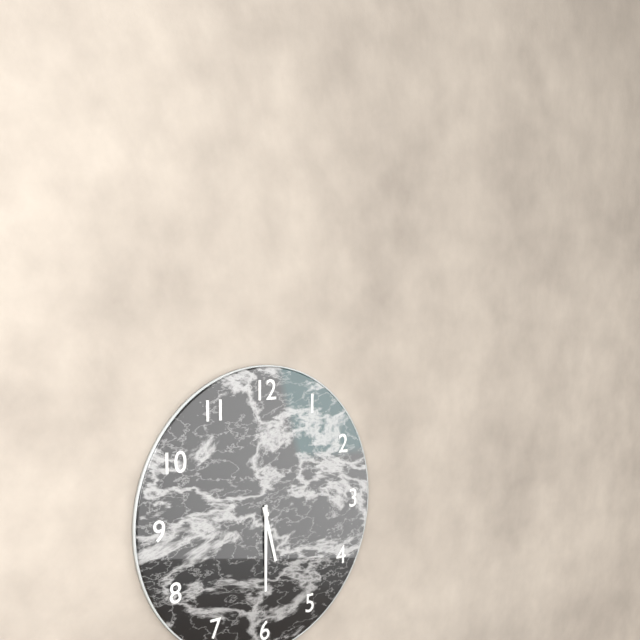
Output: 5.30
